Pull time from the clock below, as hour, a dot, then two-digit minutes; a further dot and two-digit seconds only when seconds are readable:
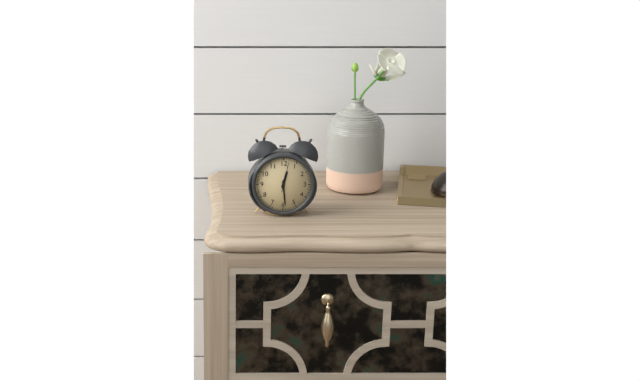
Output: 12.29
